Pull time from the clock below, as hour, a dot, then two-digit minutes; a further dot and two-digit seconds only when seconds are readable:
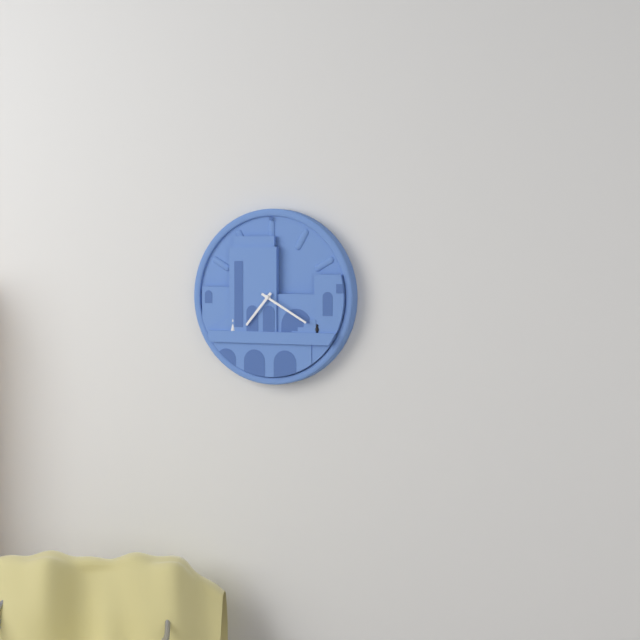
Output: 7.20
